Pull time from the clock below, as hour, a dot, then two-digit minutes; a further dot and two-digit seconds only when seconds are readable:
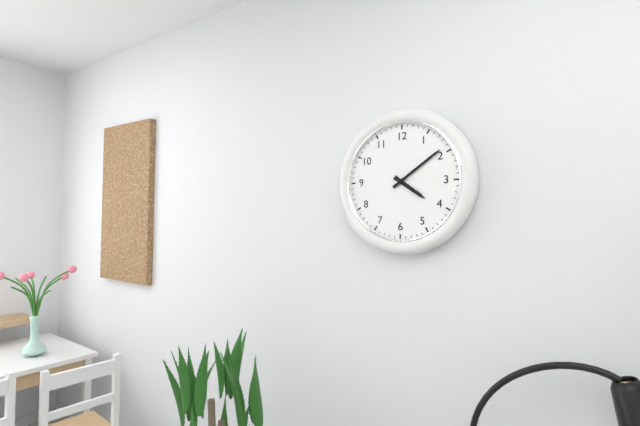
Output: 4.09
